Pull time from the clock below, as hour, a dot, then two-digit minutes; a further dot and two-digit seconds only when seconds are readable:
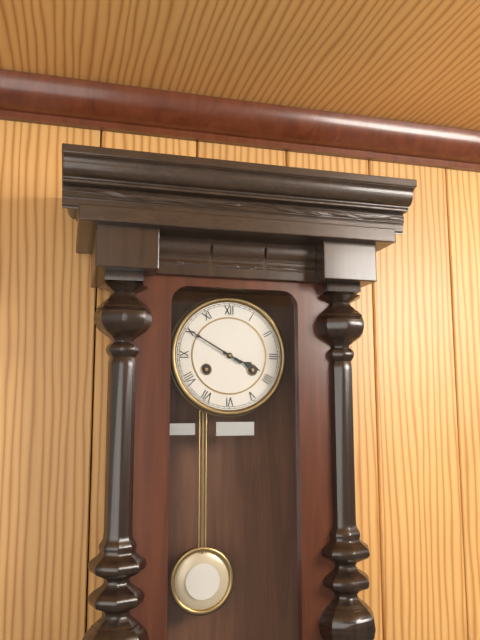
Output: 3.50
